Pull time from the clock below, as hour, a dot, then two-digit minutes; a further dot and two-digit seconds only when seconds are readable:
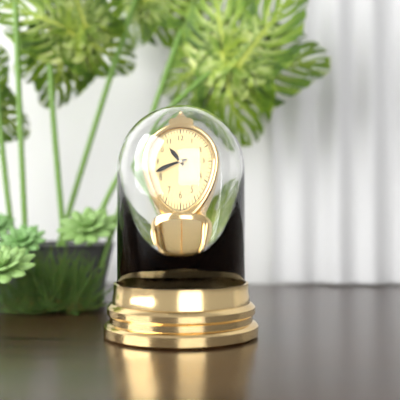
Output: 10.42
